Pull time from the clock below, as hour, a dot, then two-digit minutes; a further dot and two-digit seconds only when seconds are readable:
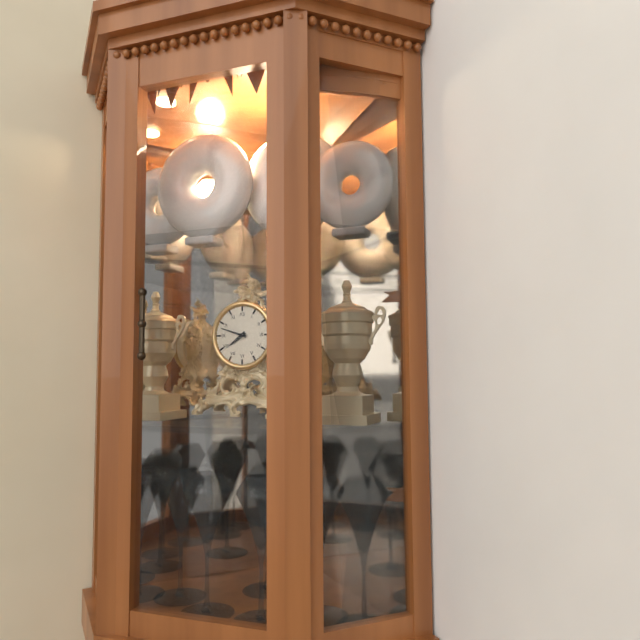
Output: 7.48
